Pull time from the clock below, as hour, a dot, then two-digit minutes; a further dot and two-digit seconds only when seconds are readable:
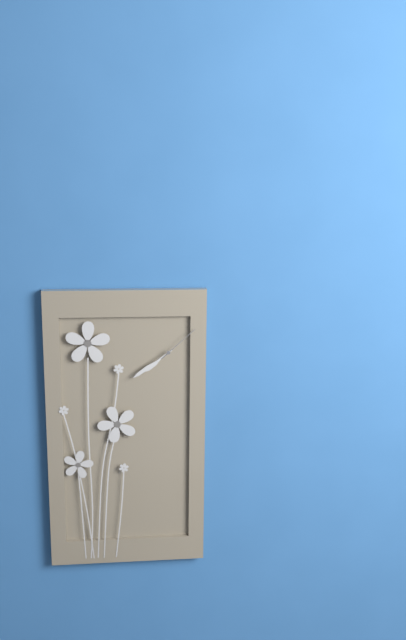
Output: 7.39
